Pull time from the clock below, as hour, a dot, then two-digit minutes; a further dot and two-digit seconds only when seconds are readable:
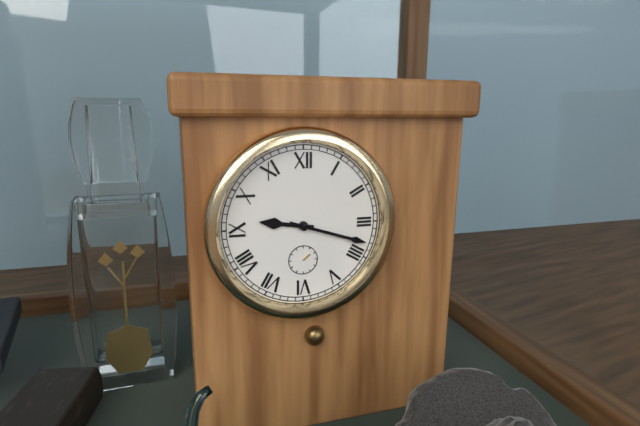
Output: 9.18
